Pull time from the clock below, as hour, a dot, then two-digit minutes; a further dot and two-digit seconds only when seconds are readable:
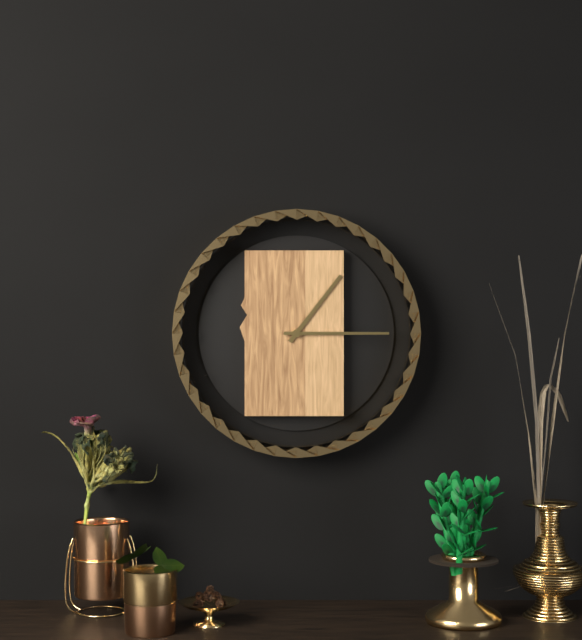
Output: 1.15
